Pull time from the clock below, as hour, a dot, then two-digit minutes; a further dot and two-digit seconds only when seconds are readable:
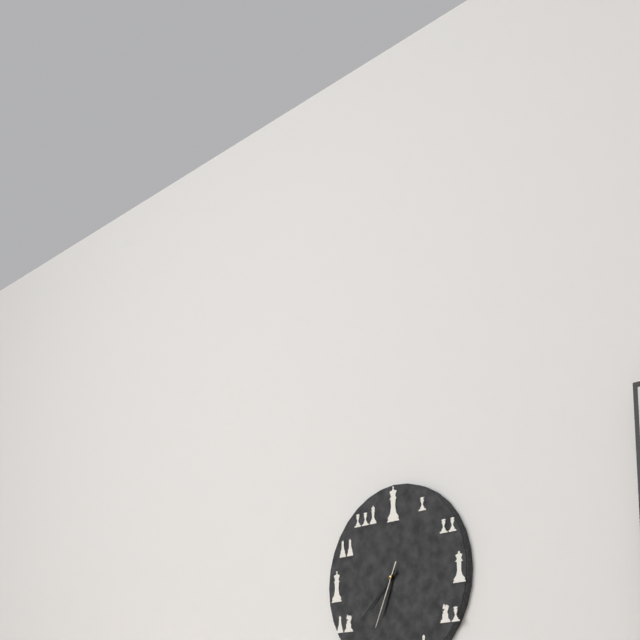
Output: 6.38.34
